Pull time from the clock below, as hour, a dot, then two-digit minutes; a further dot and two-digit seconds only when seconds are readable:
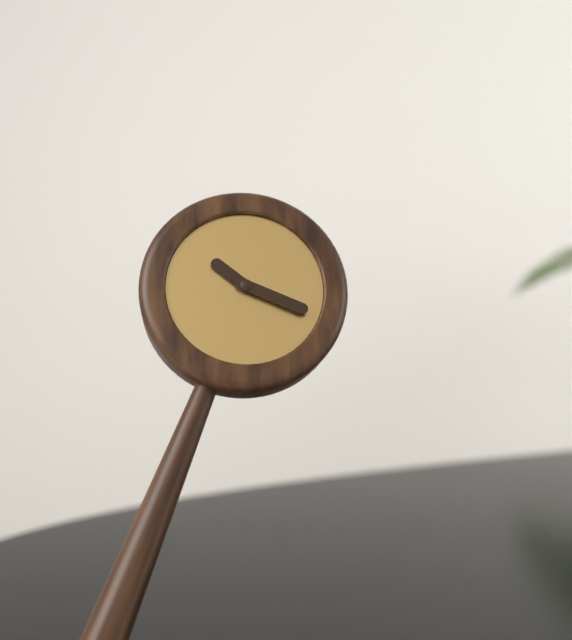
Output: 10.19
